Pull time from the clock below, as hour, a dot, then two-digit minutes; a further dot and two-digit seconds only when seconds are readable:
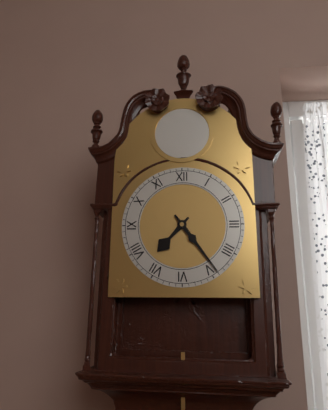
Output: 7.24
